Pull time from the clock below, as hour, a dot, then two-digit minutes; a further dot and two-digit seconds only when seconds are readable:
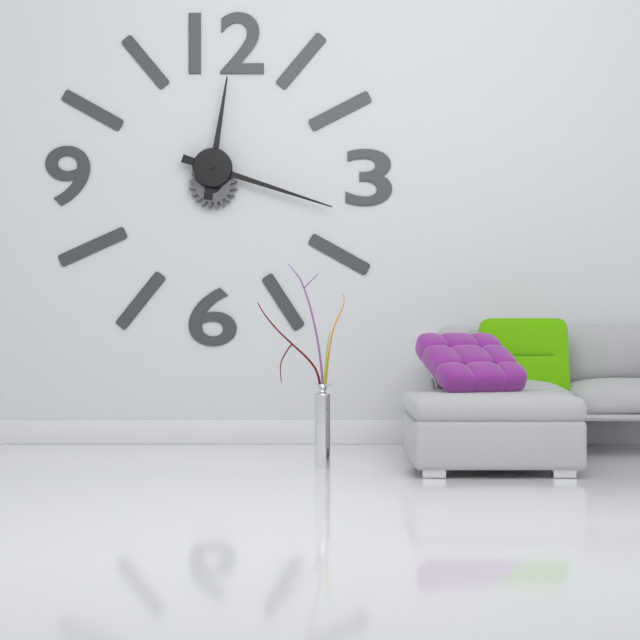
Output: 12.18
